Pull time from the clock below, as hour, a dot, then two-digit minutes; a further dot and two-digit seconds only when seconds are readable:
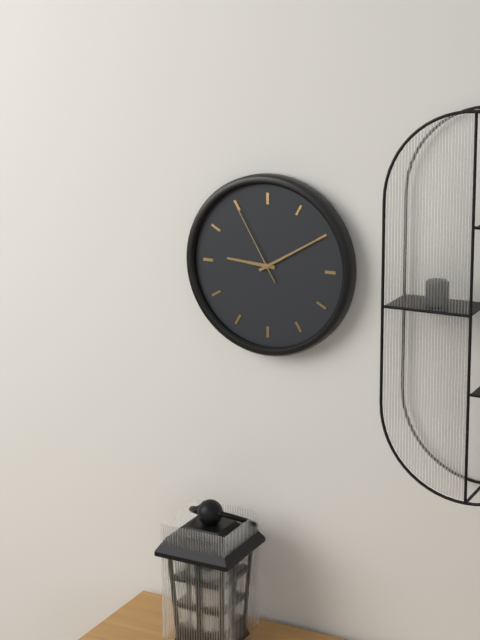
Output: 9.10.55
